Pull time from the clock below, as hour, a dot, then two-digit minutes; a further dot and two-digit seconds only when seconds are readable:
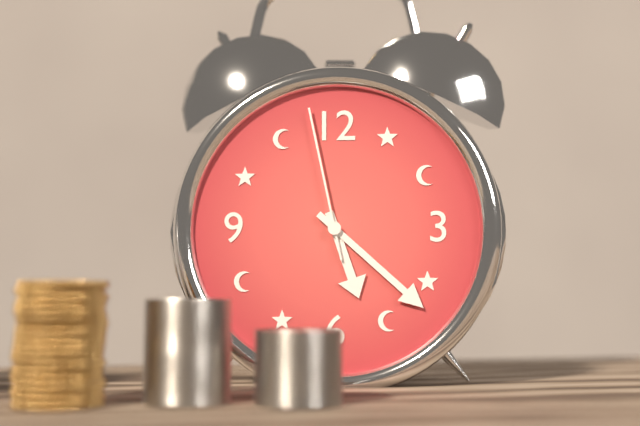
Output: 5.22.58
